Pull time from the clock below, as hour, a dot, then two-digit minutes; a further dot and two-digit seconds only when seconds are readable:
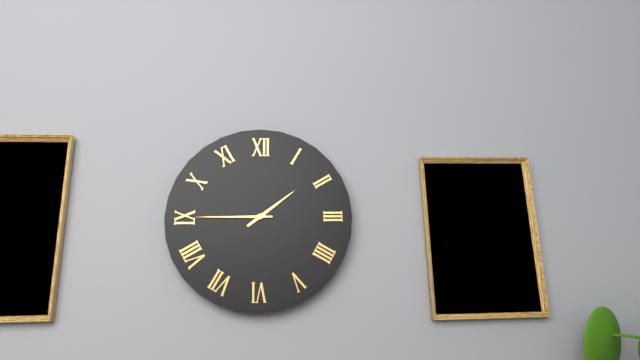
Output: 1.45
